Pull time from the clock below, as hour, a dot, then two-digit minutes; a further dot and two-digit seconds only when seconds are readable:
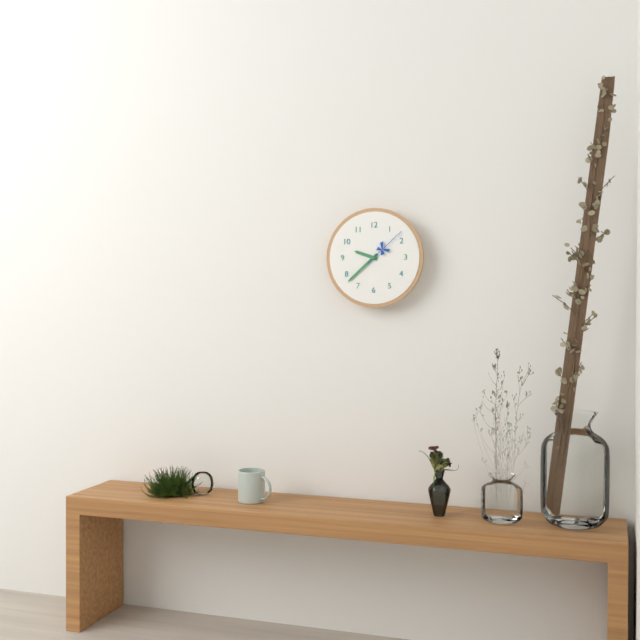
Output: 9.38
